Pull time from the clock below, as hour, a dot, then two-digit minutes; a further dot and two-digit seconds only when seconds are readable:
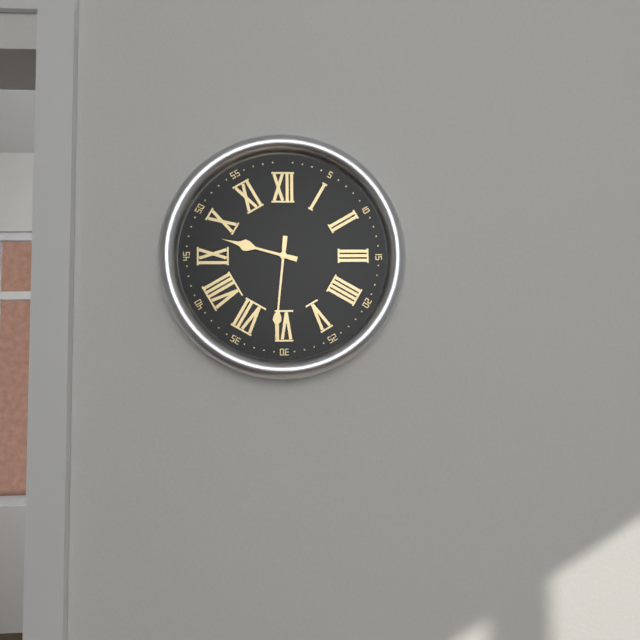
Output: 9.31
